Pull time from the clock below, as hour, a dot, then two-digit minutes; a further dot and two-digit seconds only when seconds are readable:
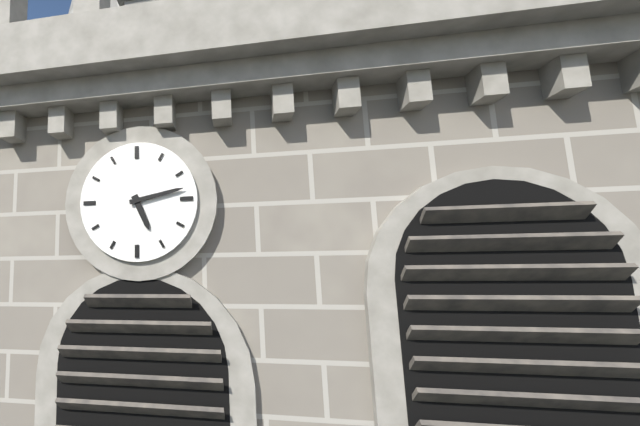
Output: 5.13
